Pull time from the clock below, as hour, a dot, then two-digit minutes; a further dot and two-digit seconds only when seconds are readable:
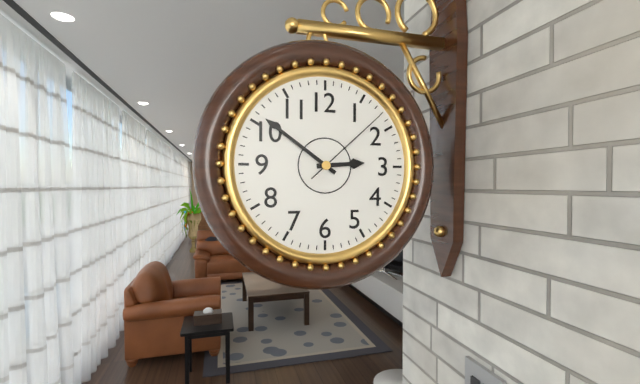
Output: 2.51.08
